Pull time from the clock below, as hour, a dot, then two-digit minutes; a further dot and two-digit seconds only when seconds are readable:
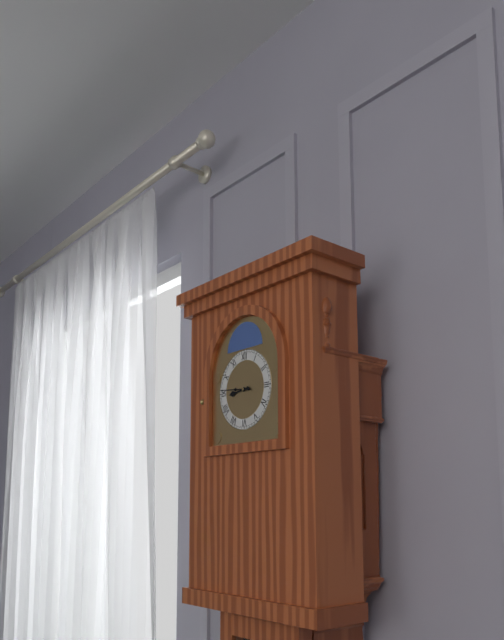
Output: 8.46
